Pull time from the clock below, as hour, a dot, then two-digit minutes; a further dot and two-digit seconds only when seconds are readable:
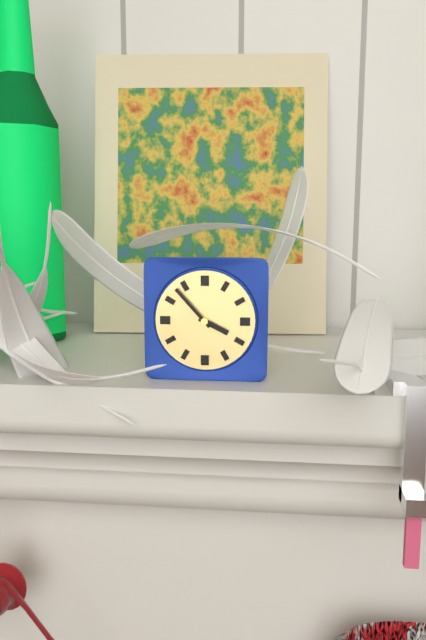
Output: 3.53
